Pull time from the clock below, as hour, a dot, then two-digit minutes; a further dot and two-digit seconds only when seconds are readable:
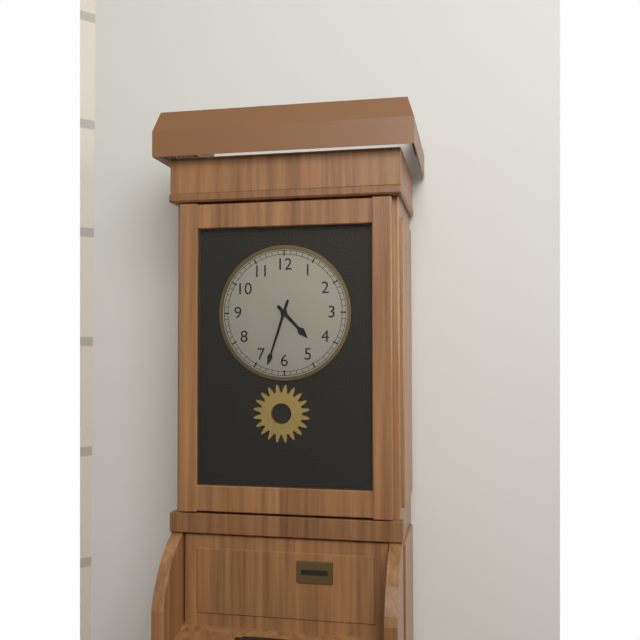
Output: 4.33
